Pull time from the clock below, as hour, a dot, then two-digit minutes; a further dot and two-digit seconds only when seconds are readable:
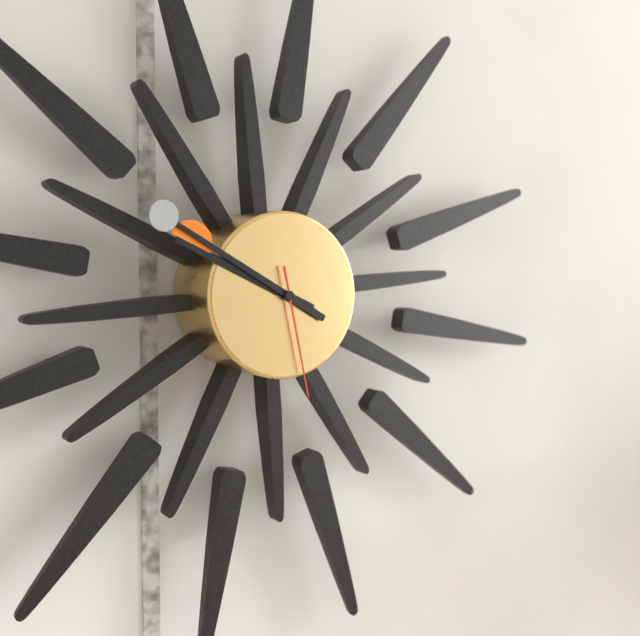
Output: 9.50.28
